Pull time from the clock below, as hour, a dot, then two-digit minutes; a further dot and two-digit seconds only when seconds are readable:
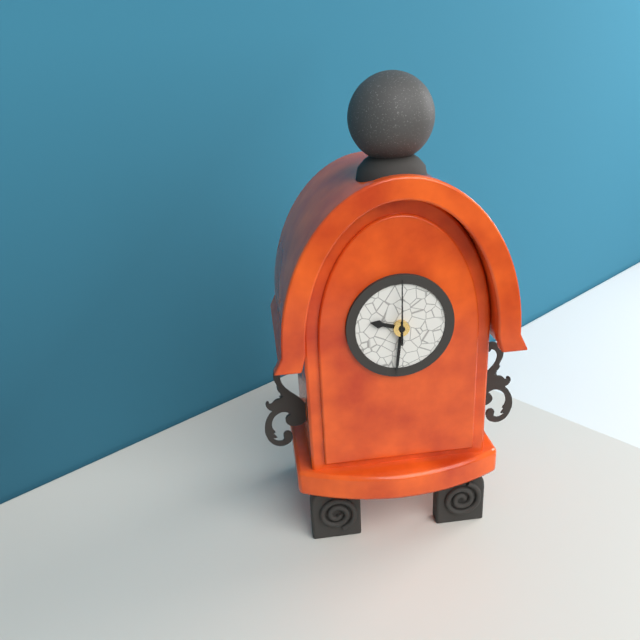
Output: 9.31.00
